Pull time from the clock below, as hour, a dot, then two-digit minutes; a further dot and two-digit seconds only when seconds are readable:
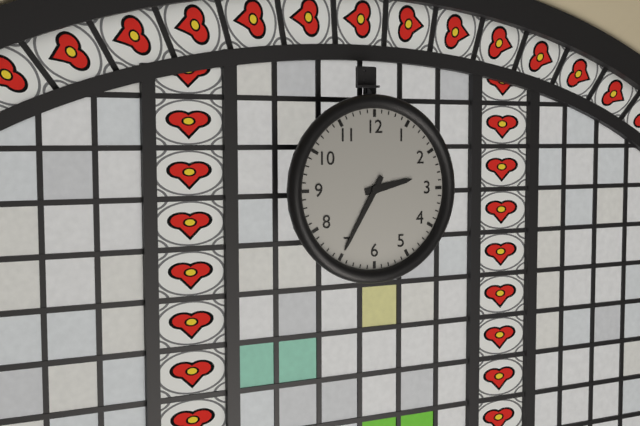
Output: 2.35
